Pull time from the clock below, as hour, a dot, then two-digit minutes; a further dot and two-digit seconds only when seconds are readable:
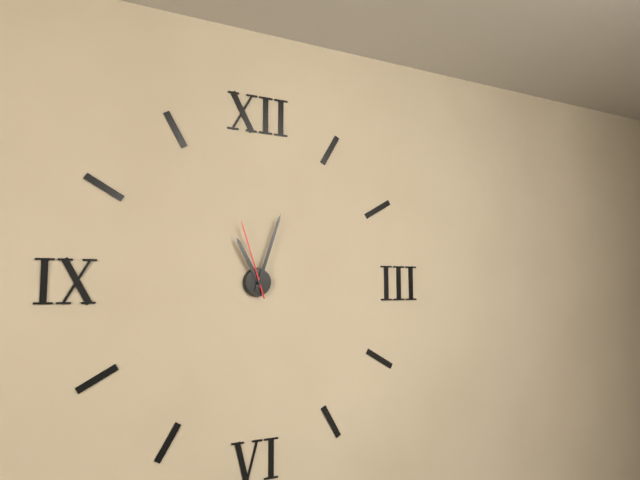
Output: 11.03.57
